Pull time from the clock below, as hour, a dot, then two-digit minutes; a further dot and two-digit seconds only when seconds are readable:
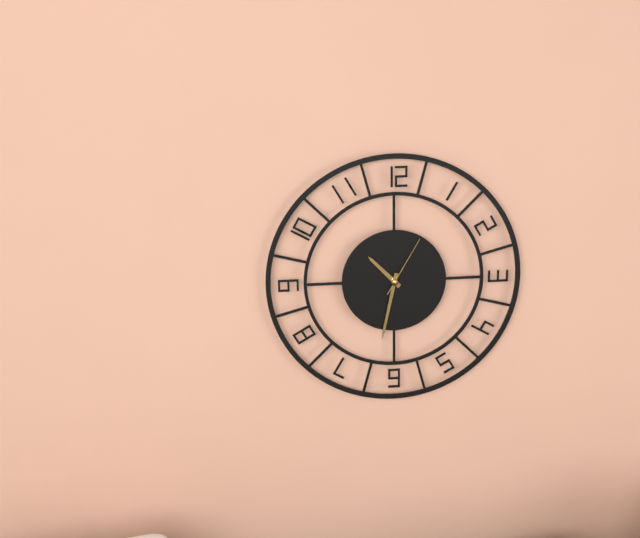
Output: 10.32.05
